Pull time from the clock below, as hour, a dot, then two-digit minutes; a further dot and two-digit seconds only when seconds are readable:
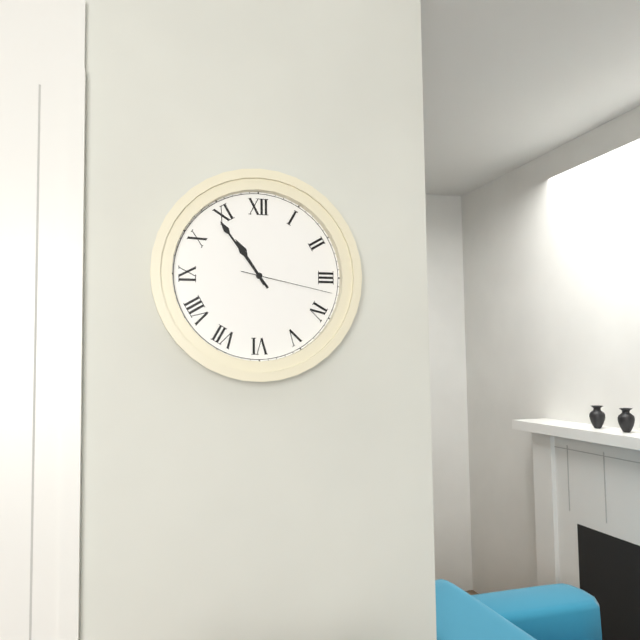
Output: 10.54.17
